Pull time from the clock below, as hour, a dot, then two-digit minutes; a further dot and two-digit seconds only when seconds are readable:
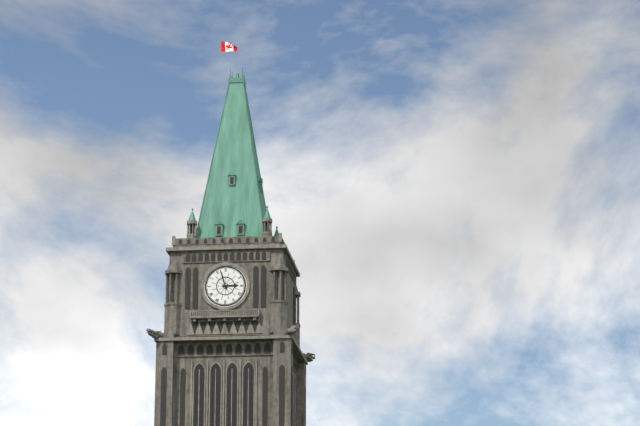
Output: 2.57
